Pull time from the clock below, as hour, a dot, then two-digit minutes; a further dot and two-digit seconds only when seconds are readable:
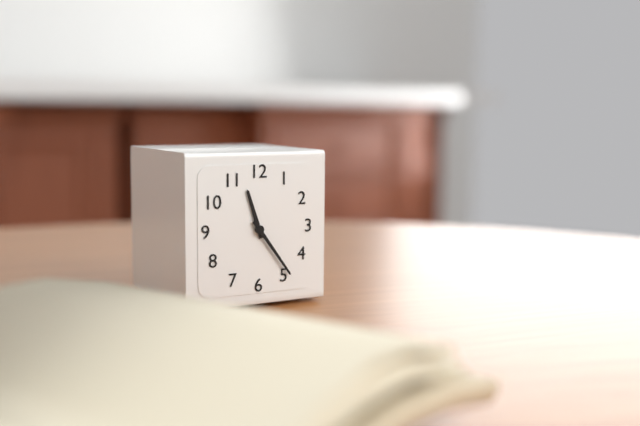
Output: 11.24
